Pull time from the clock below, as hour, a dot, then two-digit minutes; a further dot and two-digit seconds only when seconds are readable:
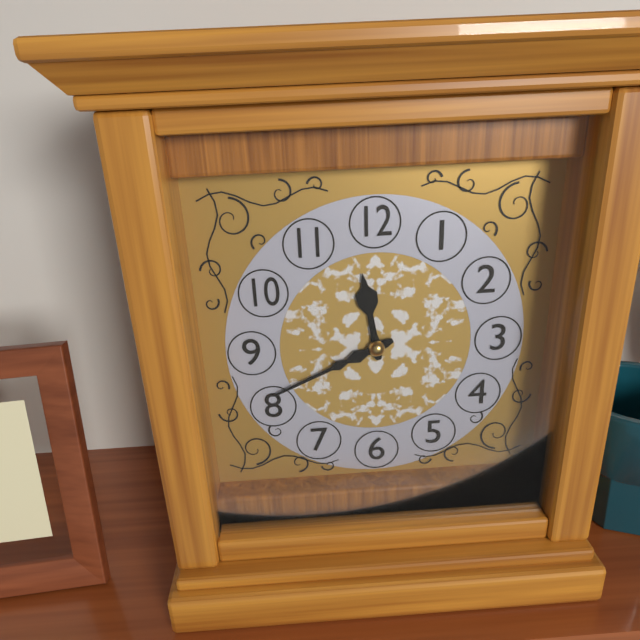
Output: 11.41
